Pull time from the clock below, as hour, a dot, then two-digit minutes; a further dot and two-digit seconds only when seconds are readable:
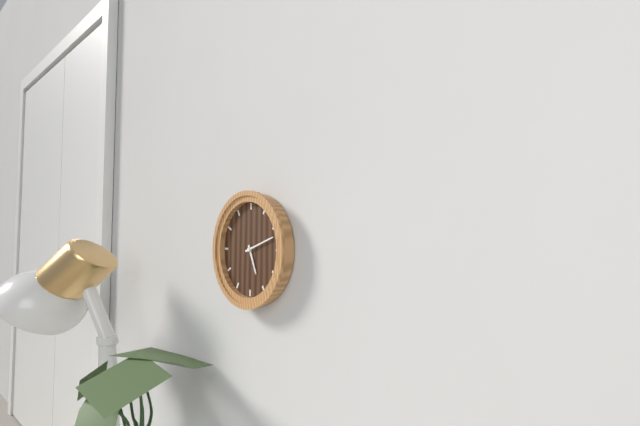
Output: 5.12
